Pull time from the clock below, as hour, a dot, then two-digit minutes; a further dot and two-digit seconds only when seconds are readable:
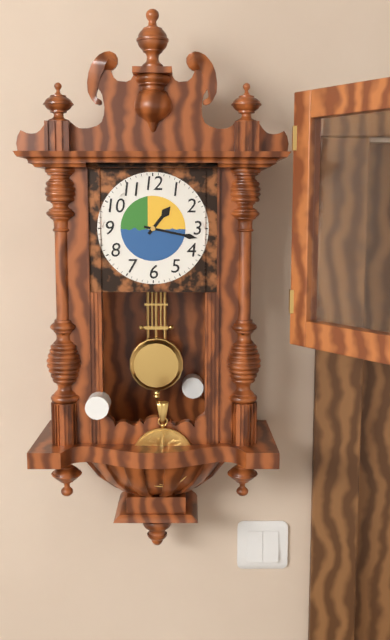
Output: 1.17
